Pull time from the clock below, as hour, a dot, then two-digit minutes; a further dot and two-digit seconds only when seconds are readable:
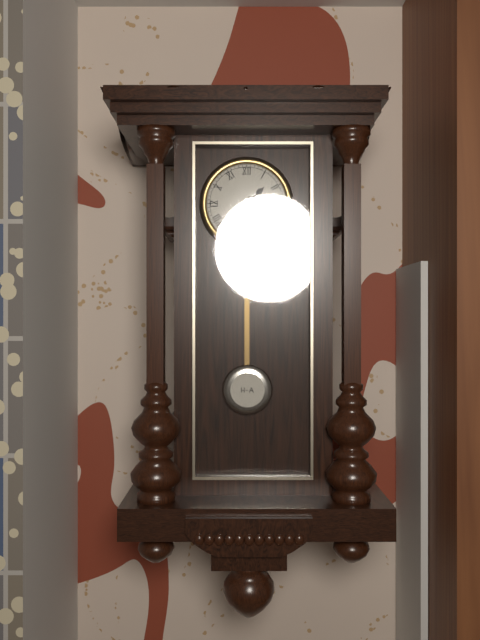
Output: 1.34
